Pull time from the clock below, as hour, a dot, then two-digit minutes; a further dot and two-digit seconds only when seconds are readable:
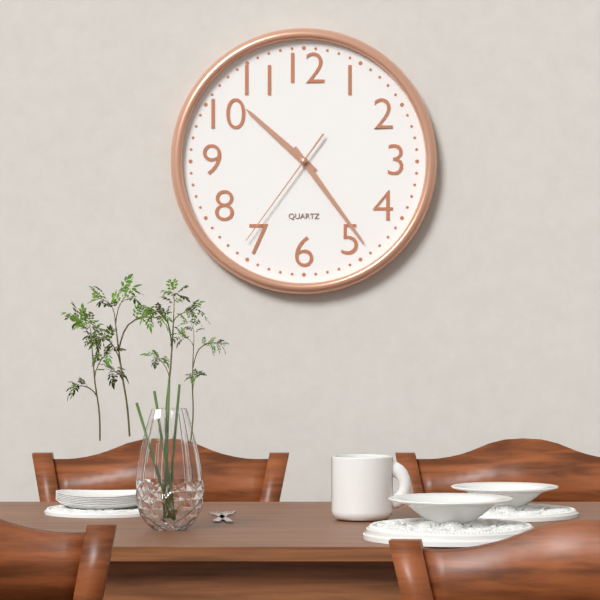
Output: 10.24.36
